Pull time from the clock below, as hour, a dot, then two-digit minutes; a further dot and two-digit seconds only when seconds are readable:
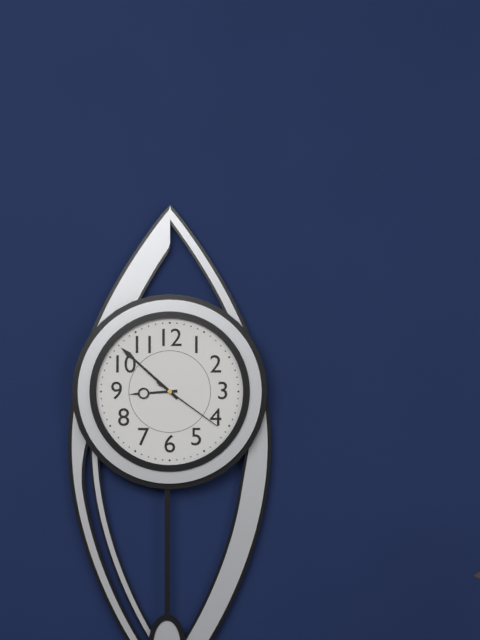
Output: 8.52.21
